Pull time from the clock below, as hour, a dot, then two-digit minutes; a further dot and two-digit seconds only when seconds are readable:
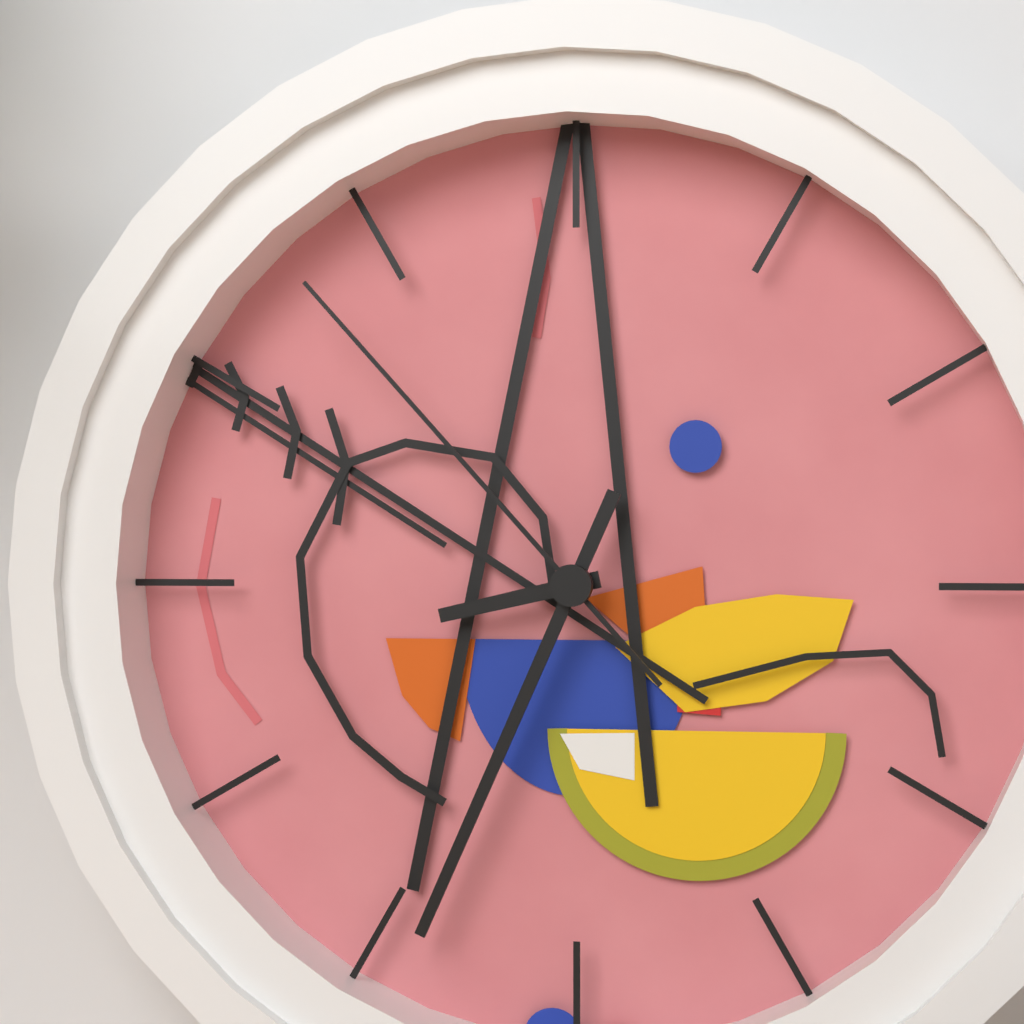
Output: 8.34.53
